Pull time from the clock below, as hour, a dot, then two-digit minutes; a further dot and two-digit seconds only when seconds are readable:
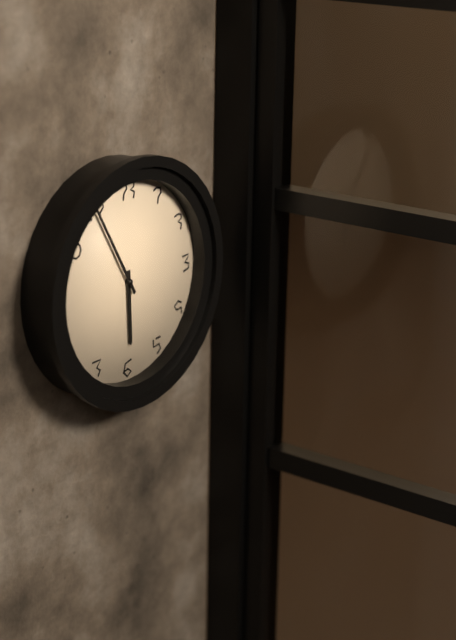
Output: 5.55
